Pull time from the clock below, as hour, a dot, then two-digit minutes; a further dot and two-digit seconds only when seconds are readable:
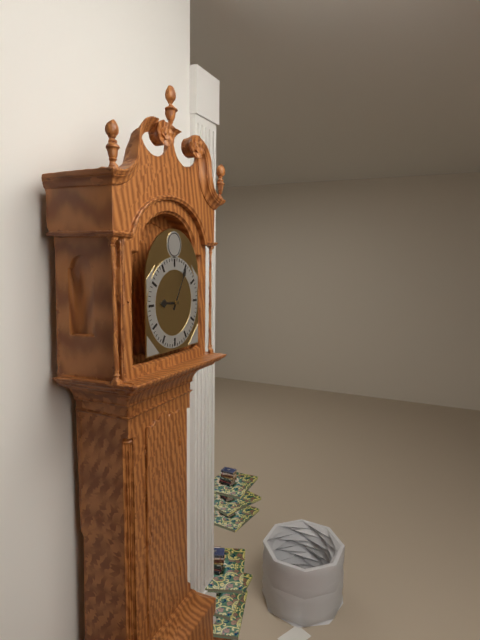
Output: 9.05
